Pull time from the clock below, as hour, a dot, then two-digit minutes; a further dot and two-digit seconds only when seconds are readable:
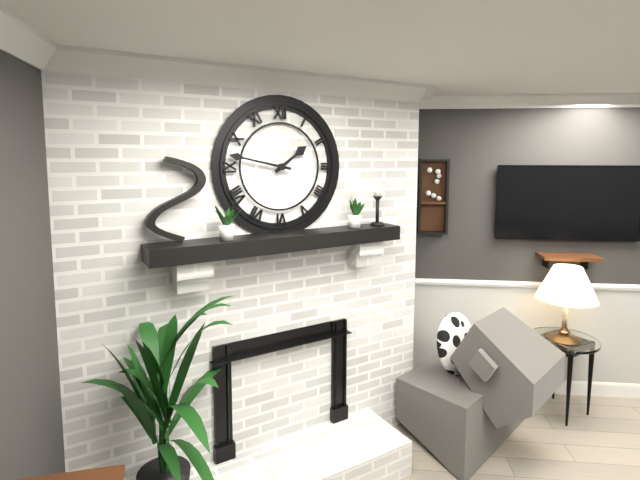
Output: 1.47
